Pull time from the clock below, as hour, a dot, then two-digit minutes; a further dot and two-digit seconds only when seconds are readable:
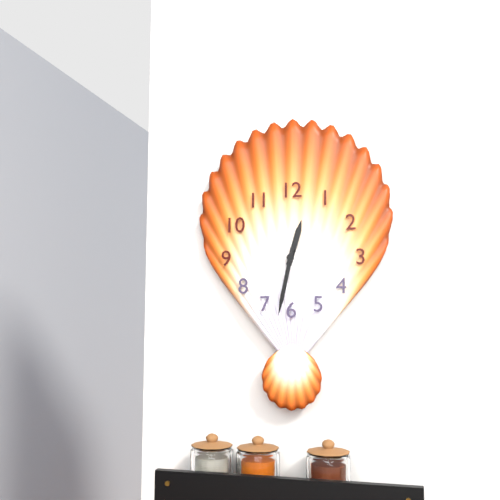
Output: 12.32
